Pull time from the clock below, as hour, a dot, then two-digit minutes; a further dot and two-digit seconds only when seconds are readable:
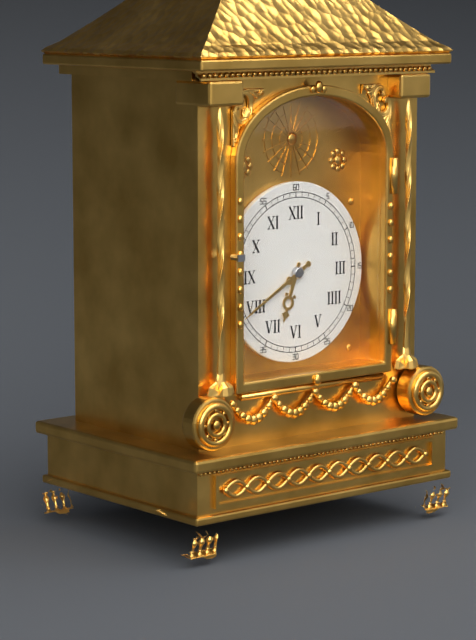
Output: 6.40
